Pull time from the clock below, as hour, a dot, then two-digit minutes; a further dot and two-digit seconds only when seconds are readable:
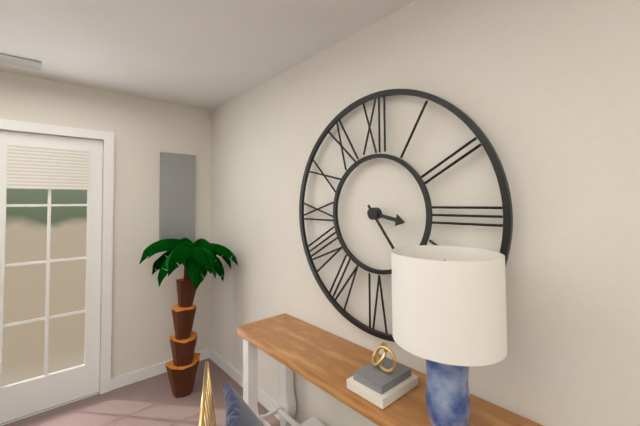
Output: 3.24
